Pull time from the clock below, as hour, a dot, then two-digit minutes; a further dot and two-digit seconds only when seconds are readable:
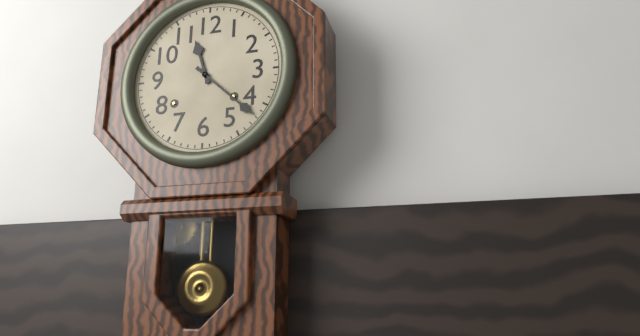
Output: 11.22
